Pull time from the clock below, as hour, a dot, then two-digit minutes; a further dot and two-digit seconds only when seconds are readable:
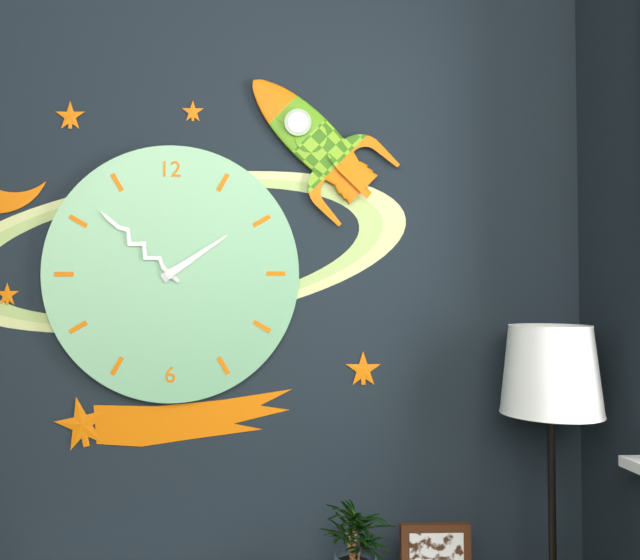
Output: 1.52
